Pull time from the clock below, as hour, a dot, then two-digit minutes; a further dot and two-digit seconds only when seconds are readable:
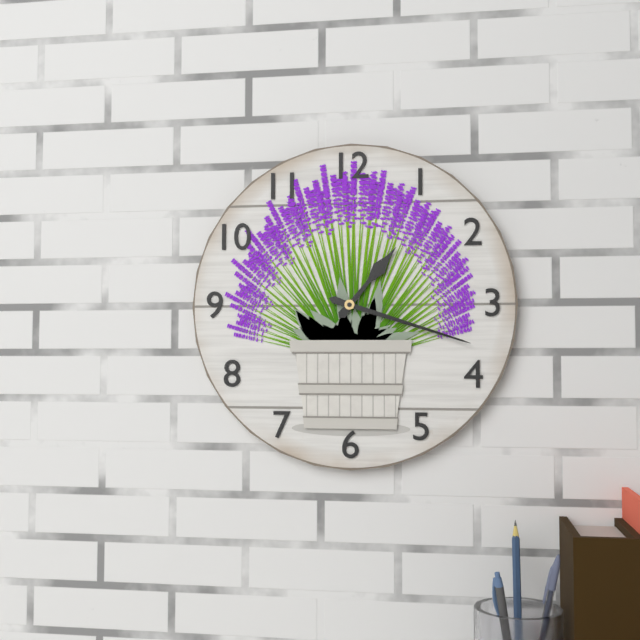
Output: 1.18
